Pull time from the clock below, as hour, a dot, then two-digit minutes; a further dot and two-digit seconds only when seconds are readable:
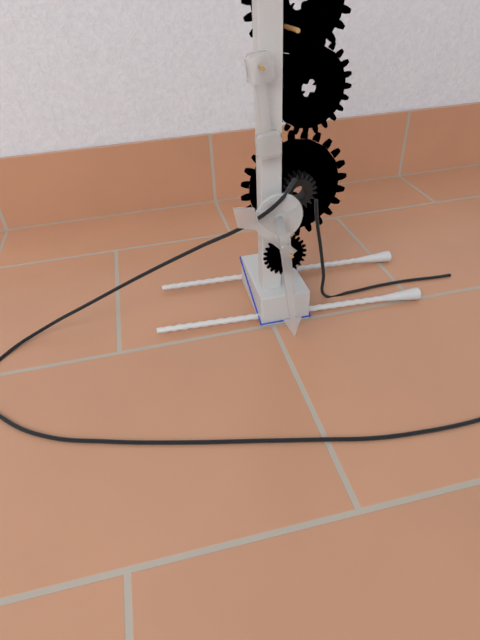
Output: 10.29
